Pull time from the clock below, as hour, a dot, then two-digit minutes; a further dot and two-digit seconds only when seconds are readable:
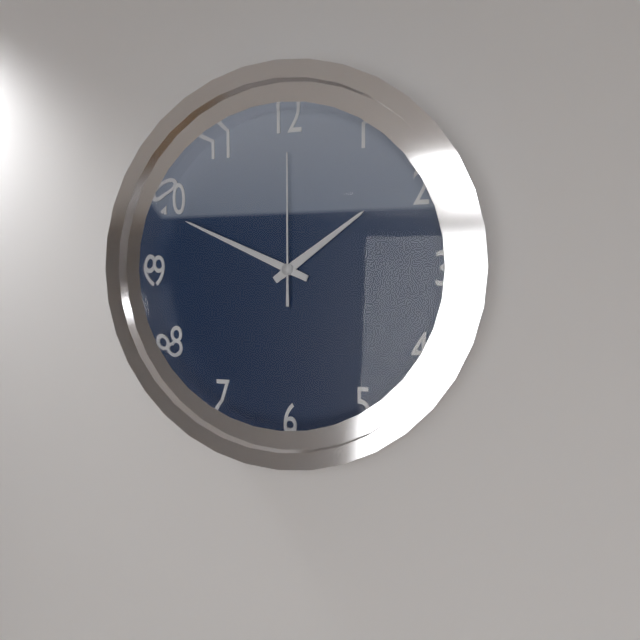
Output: 1.49.00
